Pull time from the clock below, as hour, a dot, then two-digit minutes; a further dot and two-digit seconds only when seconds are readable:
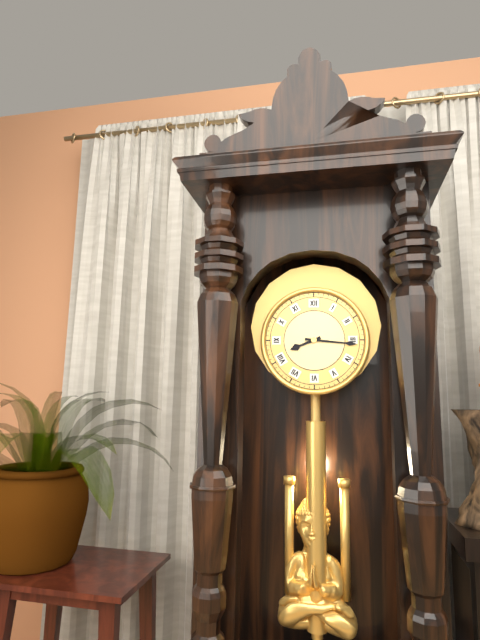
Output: 8.16
